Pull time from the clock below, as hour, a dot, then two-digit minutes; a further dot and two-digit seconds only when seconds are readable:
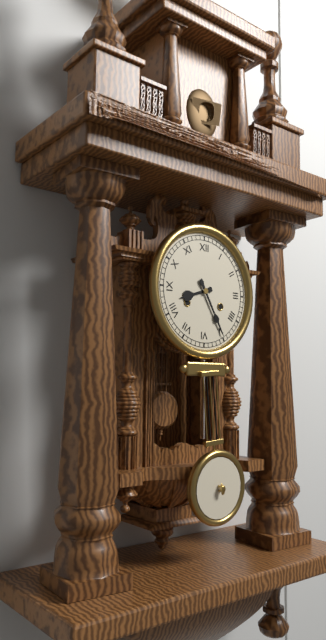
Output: 8.25
